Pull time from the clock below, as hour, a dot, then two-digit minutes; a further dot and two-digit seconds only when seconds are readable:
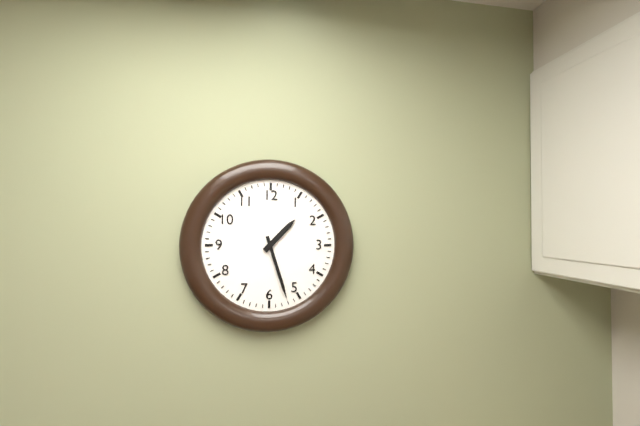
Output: 1.27
